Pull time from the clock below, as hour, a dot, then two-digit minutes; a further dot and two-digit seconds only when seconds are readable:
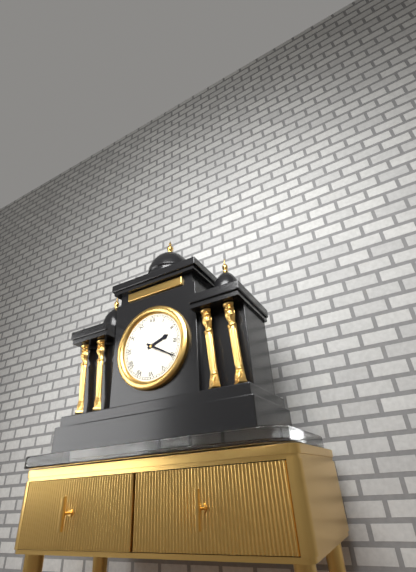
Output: 2.20
